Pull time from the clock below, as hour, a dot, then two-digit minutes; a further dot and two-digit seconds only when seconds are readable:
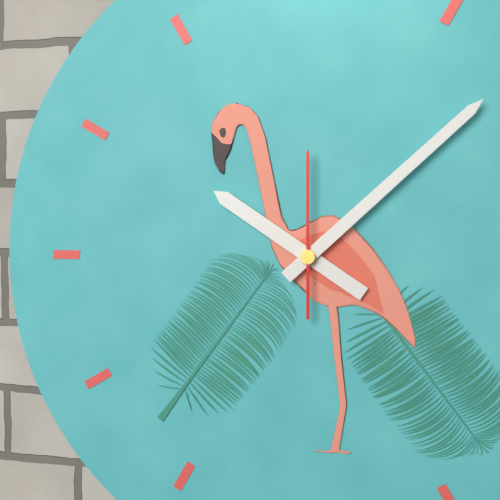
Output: 10.08.00
